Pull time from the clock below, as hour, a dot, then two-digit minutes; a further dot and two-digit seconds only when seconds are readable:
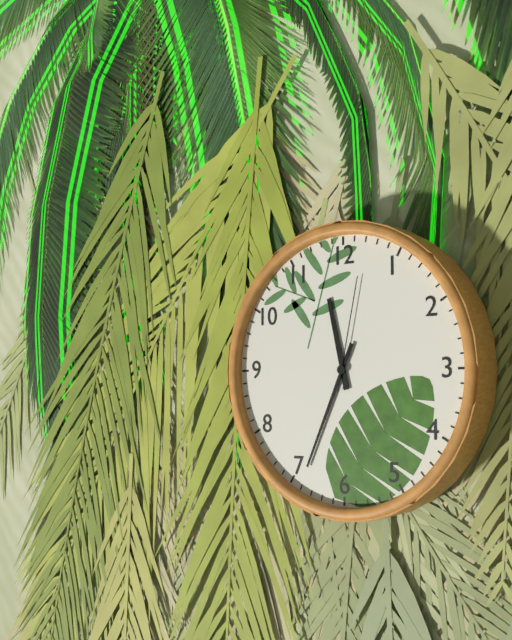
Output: 11.34.02
